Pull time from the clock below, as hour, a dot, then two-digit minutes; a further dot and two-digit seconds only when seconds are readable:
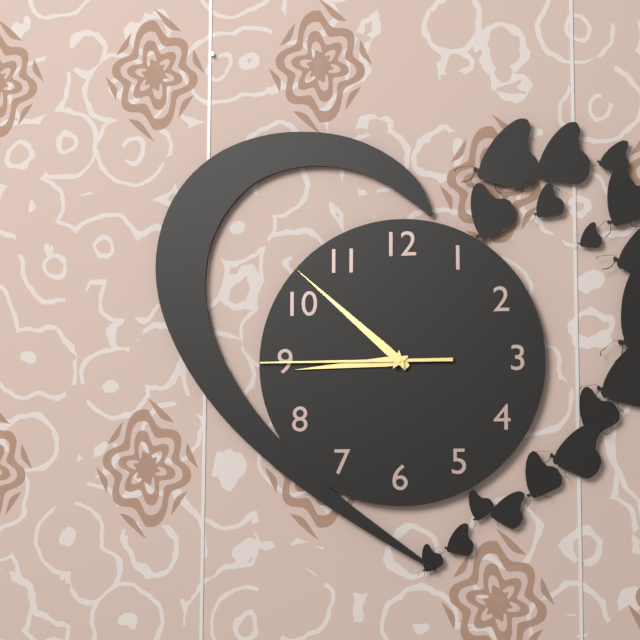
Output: 8.52.45
